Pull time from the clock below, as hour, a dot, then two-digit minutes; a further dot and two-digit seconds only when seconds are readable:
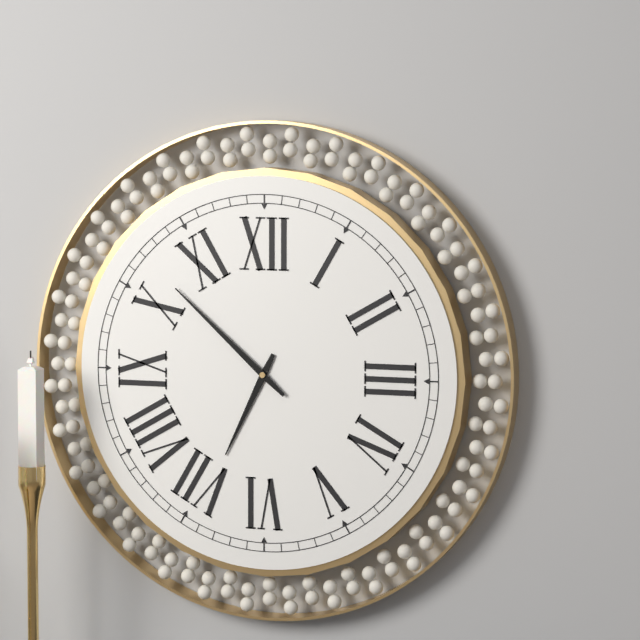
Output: 6.52
